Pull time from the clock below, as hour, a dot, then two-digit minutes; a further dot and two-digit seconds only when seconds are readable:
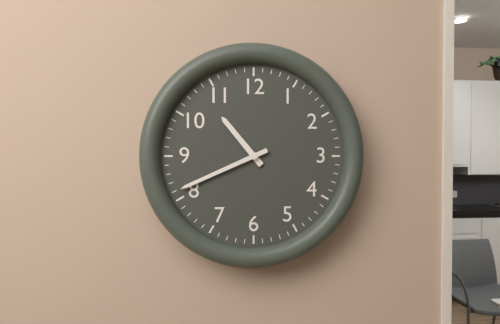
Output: 10.41
